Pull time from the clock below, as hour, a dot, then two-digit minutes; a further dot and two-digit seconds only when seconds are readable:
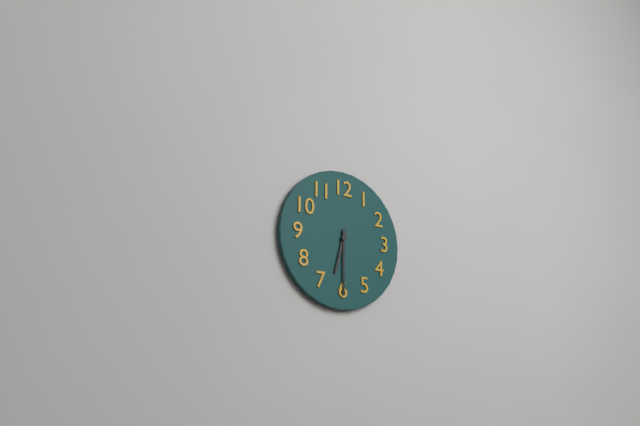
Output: 6.30
